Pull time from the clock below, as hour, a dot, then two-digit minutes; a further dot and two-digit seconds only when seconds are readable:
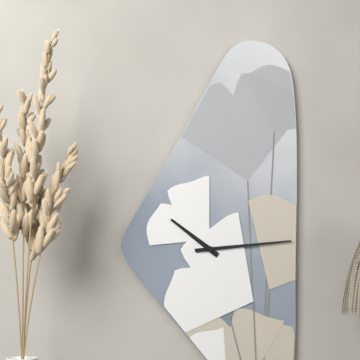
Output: 10.14
